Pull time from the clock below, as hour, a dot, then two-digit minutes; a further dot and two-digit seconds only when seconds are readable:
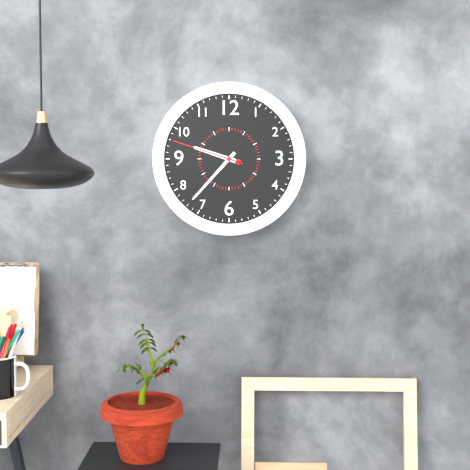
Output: 9.37.48
